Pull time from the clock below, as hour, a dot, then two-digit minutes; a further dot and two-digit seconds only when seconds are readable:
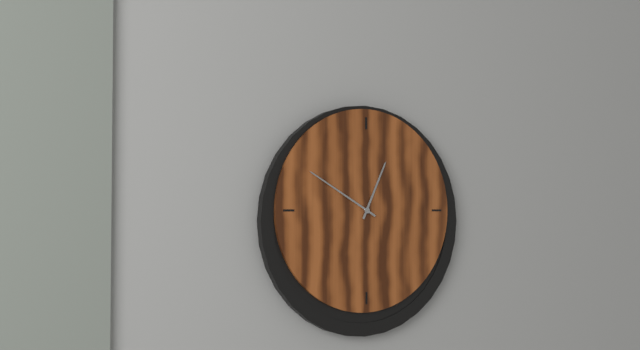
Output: 12.50
